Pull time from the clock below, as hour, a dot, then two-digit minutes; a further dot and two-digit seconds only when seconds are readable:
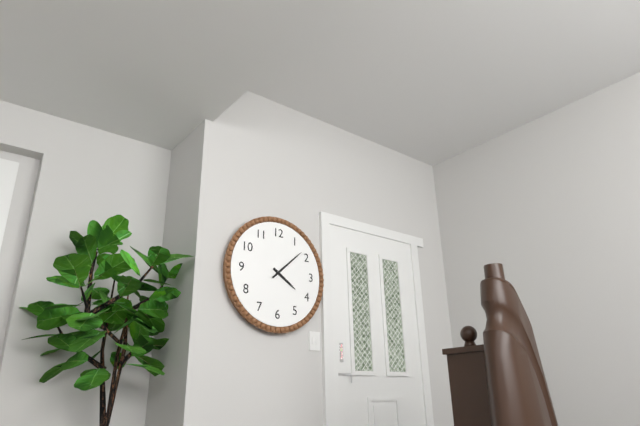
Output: 4.08
